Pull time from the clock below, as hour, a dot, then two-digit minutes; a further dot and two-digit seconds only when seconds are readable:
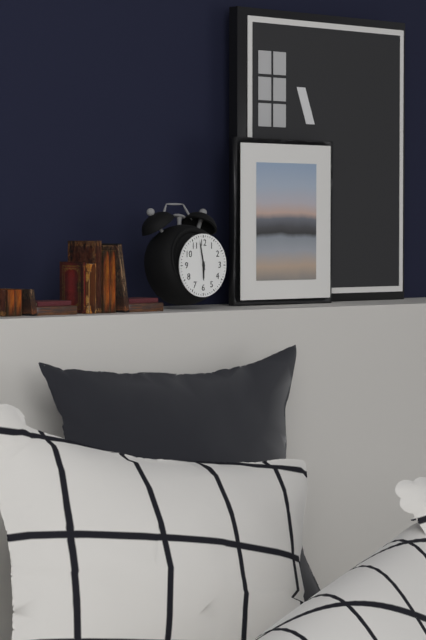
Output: 5.58
